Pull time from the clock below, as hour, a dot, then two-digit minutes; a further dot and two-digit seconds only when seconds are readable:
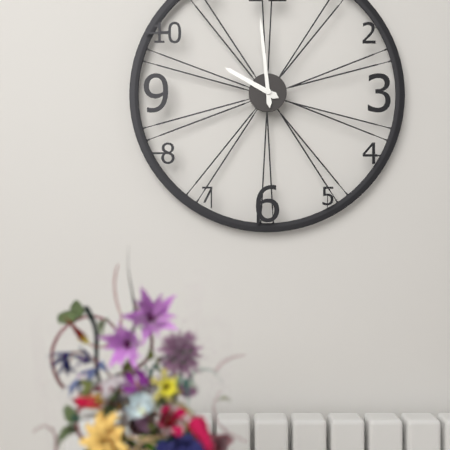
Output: 9.59
